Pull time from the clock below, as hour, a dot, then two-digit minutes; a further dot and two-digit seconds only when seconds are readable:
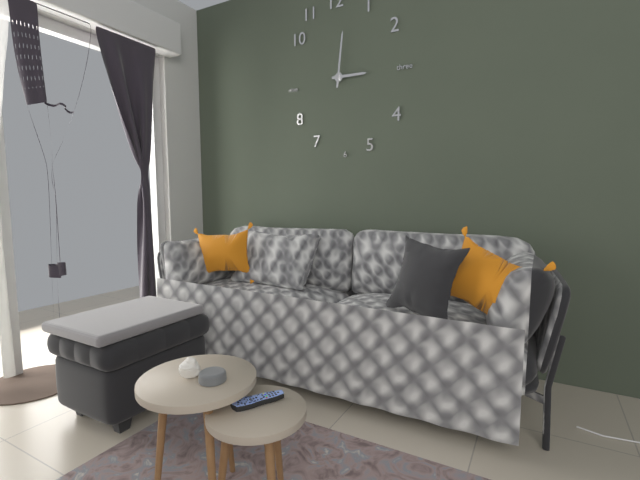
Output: 3.01
